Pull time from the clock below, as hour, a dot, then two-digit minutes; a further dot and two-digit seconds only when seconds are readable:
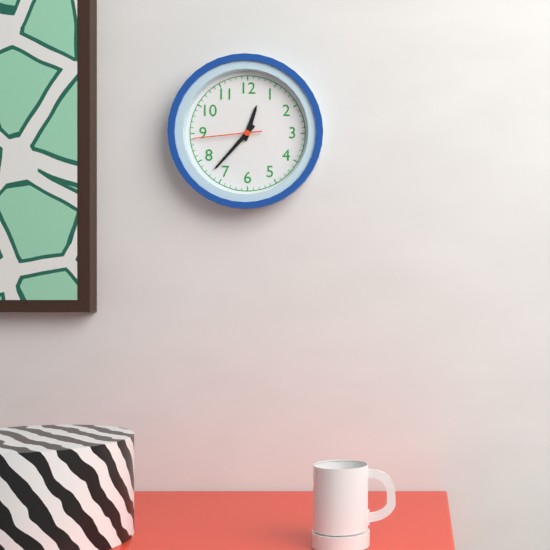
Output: 12.37.44
